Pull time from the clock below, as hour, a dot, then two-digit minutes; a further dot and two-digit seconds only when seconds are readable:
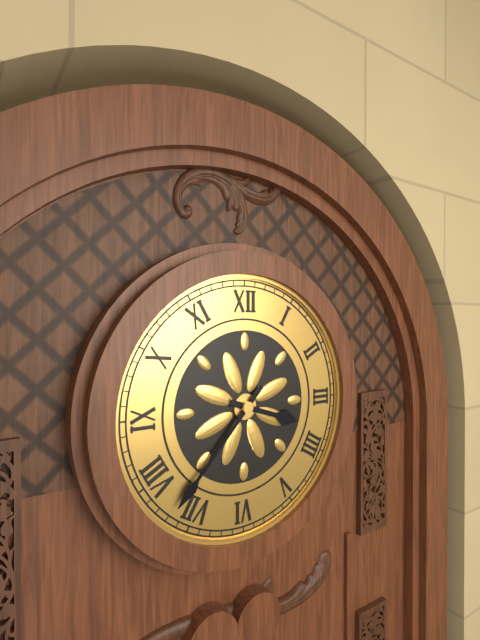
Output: 3.37
